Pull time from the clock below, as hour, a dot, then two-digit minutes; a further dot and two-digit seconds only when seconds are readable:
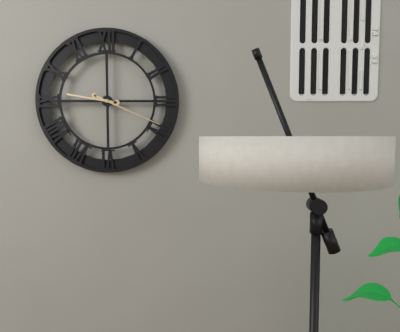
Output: 9.19
